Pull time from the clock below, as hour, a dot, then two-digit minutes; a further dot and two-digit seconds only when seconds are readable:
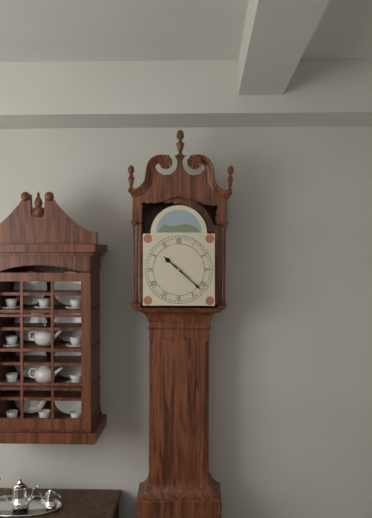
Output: 10.22
